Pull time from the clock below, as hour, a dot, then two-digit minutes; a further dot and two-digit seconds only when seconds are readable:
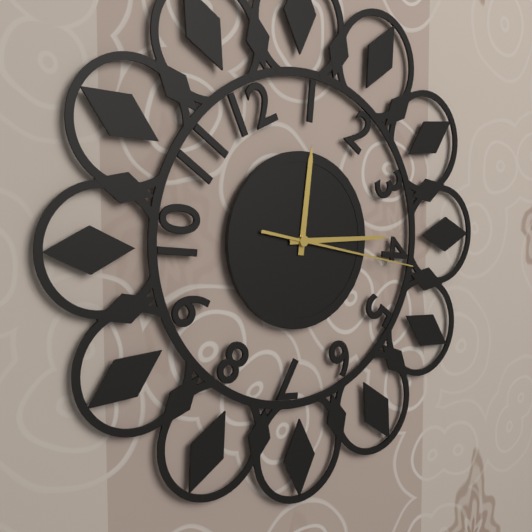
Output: 12.15.17
